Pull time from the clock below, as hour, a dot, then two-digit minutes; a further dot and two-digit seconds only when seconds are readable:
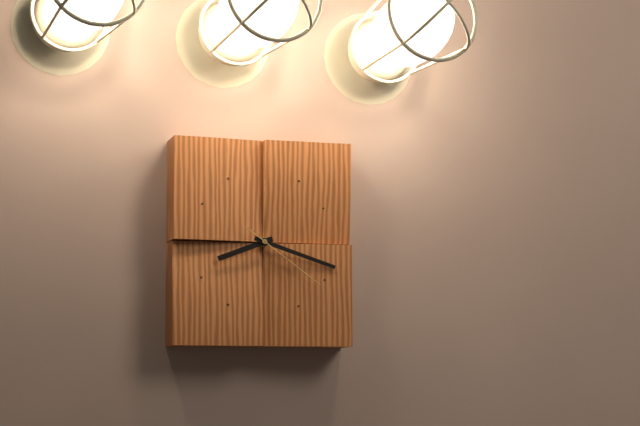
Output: 8.18.21
